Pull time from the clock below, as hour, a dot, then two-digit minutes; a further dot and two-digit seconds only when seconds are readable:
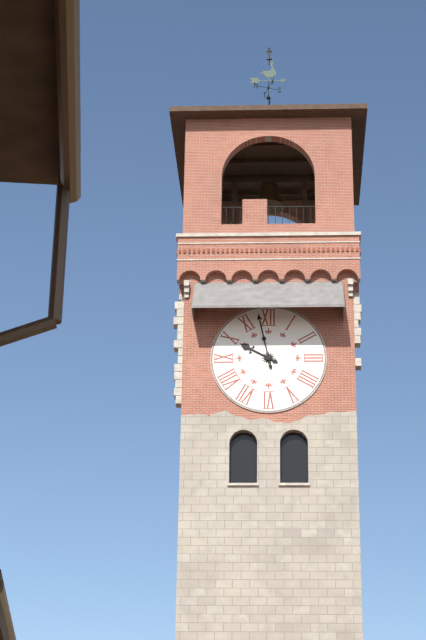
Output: 9.58
